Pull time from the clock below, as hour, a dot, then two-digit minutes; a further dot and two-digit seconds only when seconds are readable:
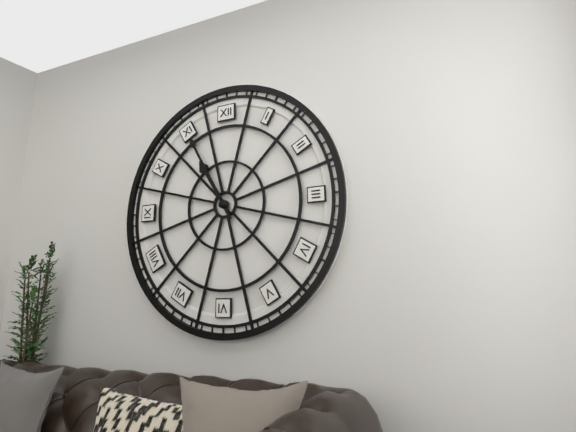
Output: 10.55
